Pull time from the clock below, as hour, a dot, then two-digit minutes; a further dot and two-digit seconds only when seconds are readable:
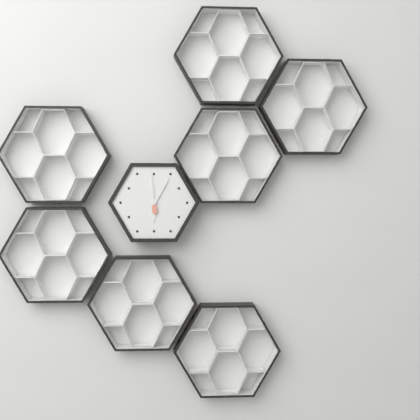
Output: 6.05
